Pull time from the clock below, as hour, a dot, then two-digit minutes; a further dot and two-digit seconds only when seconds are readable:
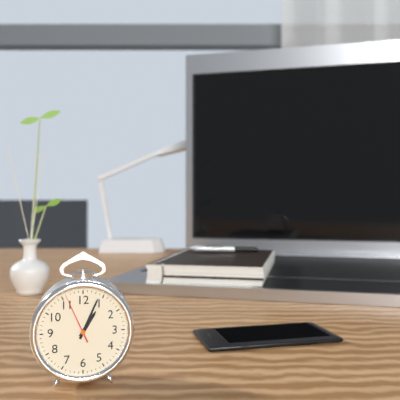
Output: 1.04
